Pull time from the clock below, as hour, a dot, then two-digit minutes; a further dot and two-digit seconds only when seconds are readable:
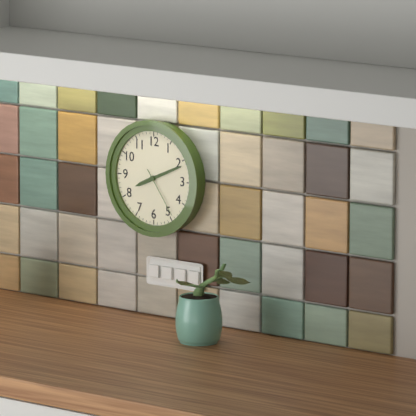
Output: 8.11.24
